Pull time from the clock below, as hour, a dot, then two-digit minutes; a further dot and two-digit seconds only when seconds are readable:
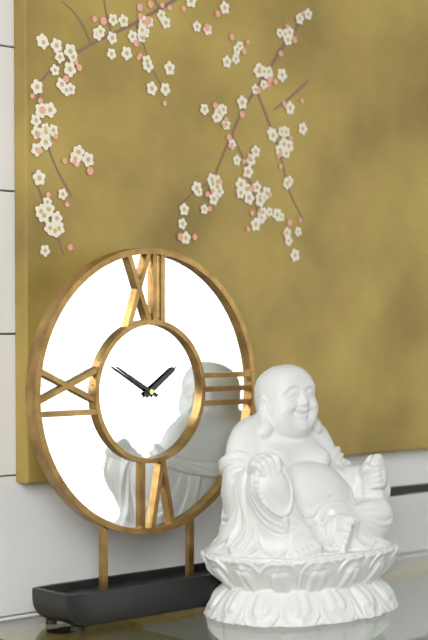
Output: 1.50
